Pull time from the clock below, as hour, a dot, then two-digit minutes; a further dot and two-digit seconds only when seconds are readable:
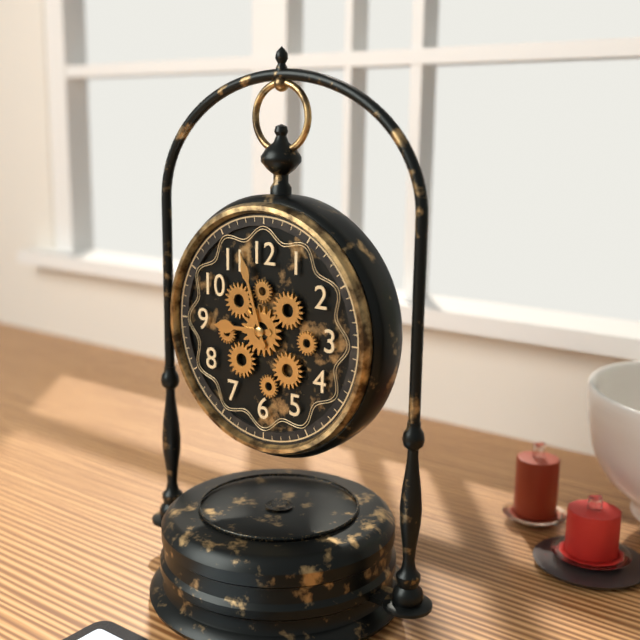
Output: 8.57
